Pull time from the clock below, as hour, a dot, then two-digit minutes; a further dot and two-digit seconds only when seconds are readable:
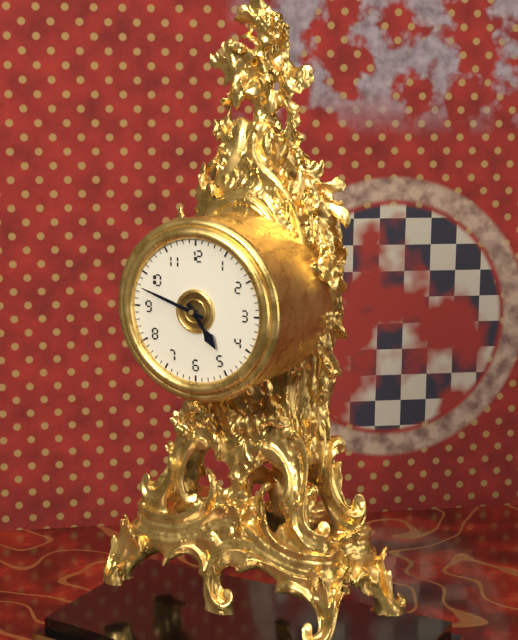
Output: 4.48
